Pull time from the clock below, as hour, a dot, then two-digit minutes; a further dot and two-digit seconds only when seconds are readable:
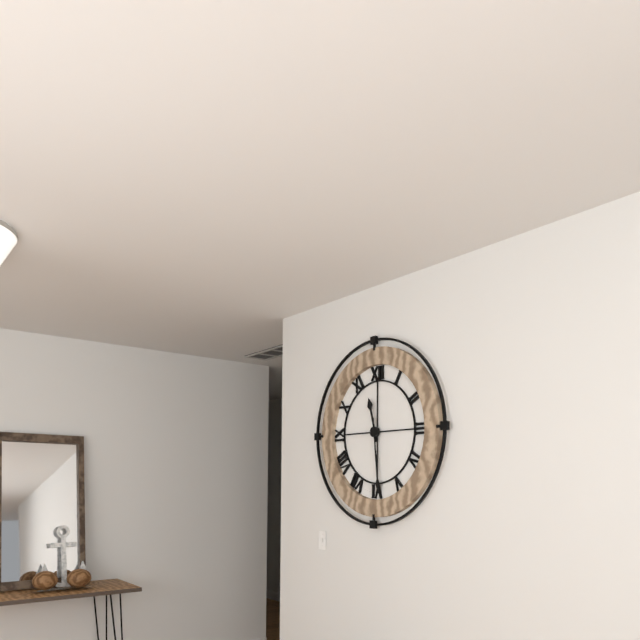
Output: 11.29
